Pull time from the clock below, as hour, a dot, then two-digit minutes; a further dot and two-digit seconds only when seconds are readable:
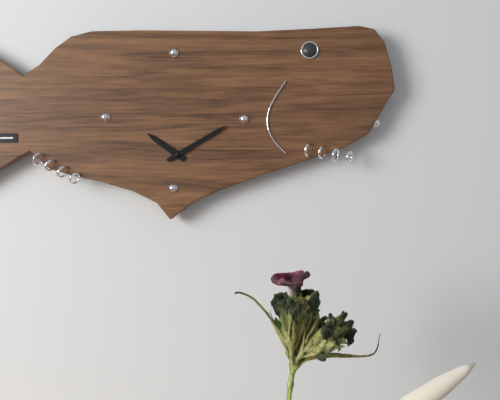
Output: 10.10
